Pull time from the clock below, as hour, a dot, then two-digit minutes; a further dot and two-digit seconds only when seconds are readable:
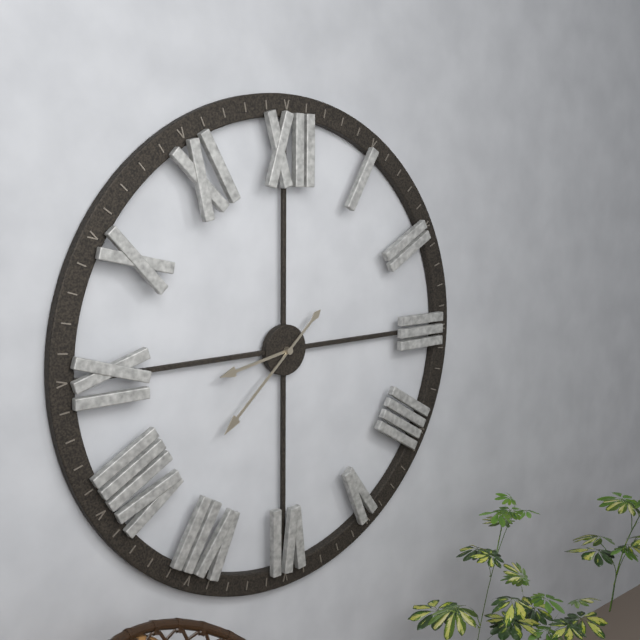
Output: 8.38
